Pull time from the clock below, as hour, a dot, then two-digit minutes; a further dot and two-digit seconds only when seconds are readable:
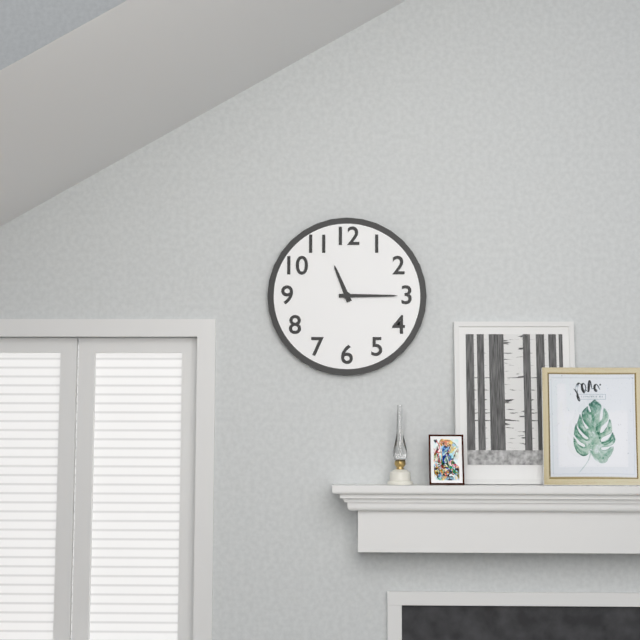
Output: 11.15
